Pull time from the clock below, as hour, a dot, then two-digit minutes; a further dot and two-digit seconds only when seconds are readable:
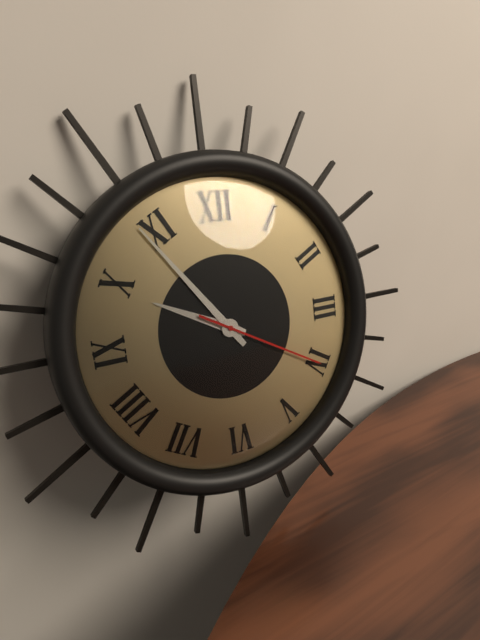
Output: 9.54.20
